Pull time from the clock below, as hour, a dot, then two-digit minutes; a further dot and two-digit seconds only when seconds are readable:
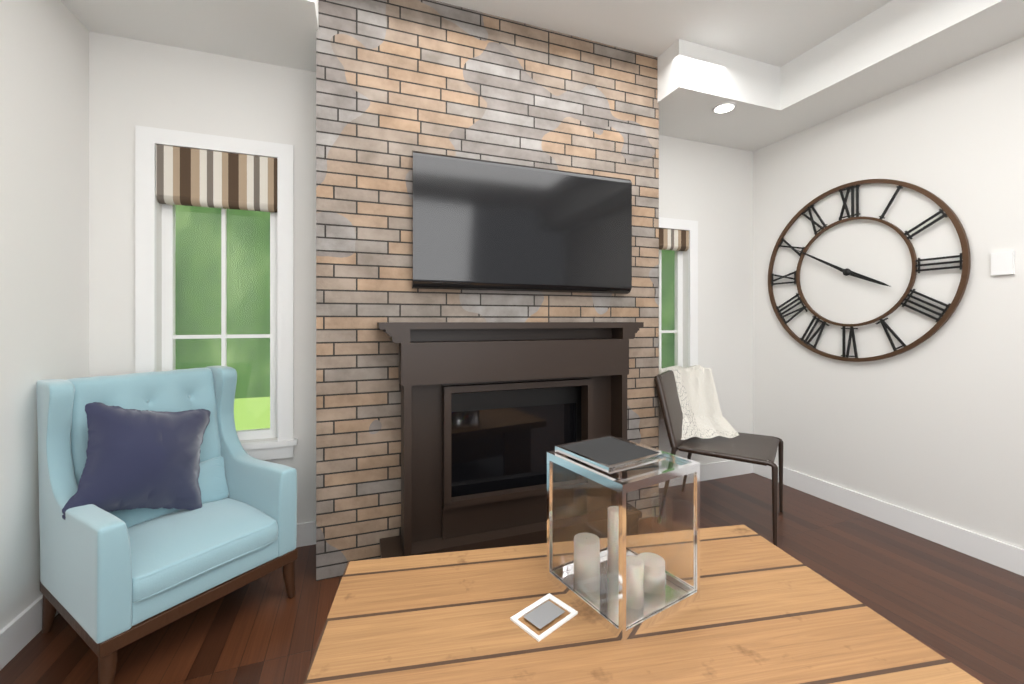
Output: 3.50
